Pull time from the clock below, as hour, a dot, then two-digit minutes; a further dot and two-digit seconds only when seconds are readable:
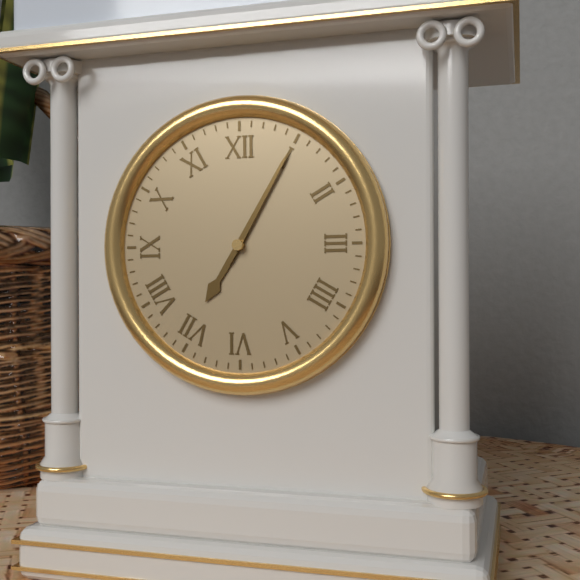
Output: 7.05
